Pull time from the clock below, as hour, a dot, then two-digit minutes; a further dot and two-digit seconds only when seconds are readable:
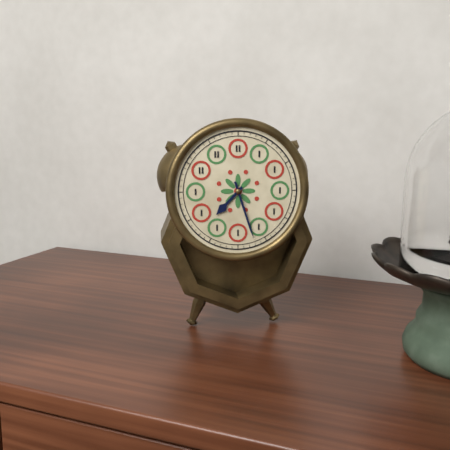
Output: 7.27
